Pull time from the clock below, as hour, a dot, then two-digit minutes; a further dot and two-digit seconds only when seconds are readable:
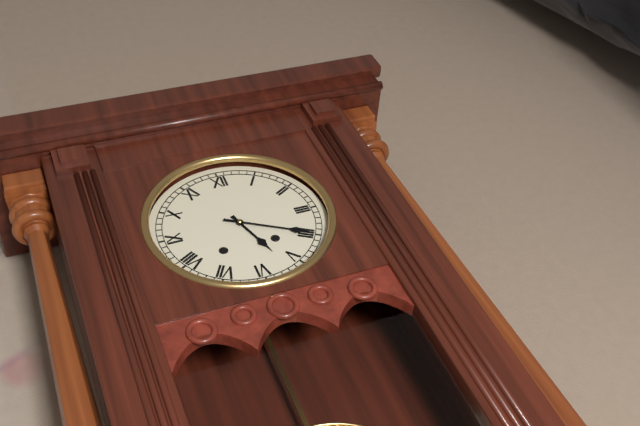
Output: 5.20
